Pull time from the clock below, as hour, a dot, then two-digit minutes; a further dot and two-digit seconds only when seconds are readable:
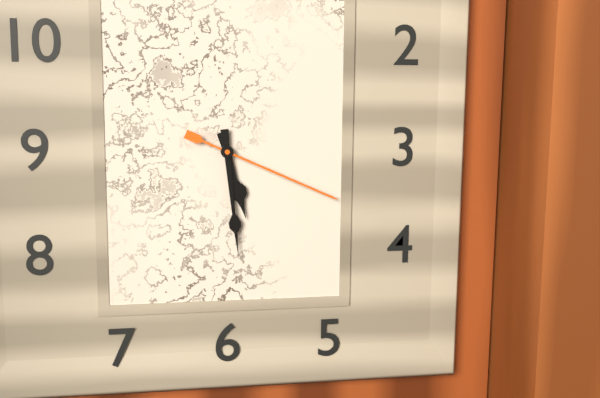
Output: 5.29.19
